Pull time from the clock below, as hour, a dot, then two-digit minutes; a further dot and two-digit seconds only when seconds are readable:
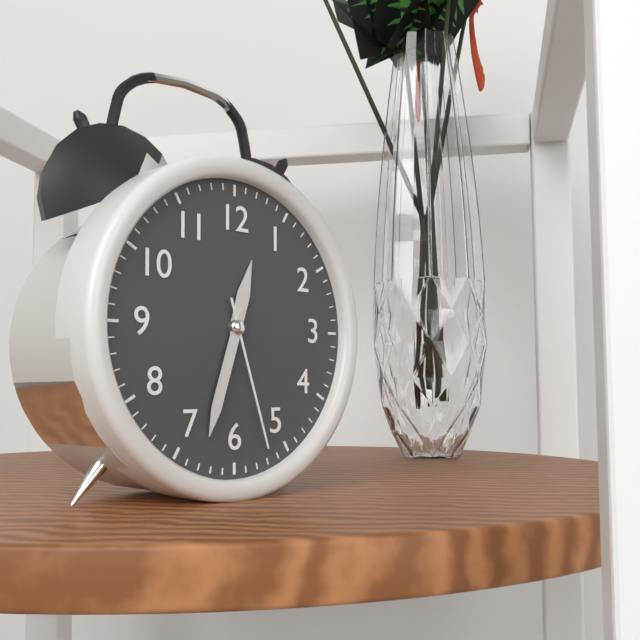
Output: 12.33.27
